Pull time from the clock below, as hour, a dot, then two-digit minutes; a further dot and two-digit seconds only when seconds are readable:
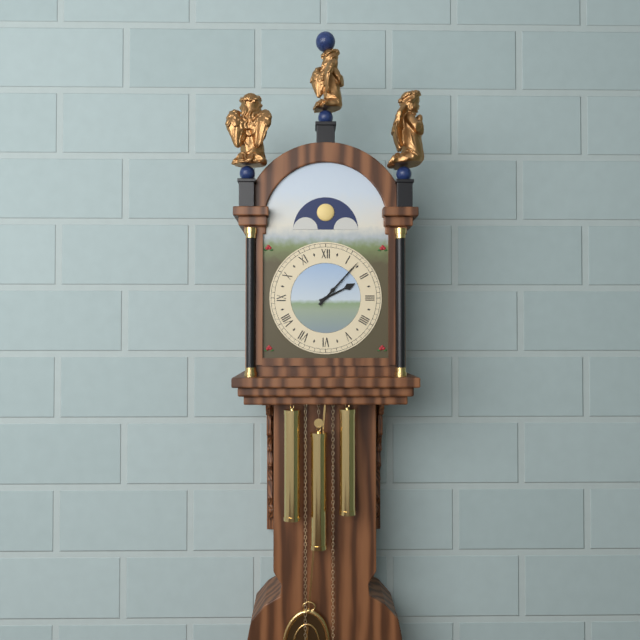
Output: 2.07
